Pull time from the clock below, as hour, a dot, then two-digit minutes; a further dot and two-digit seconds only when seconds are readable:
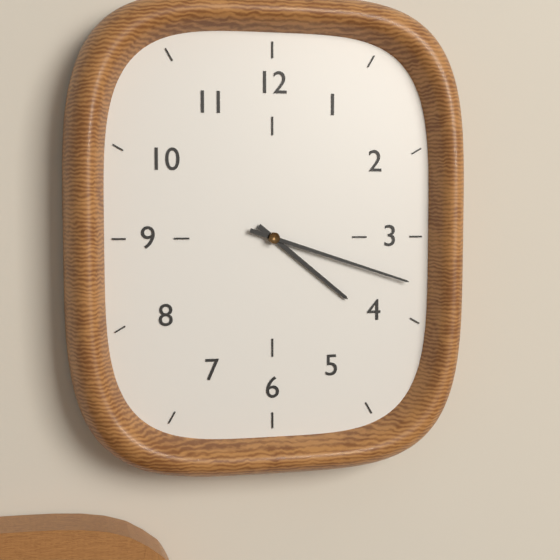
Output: 4.18
